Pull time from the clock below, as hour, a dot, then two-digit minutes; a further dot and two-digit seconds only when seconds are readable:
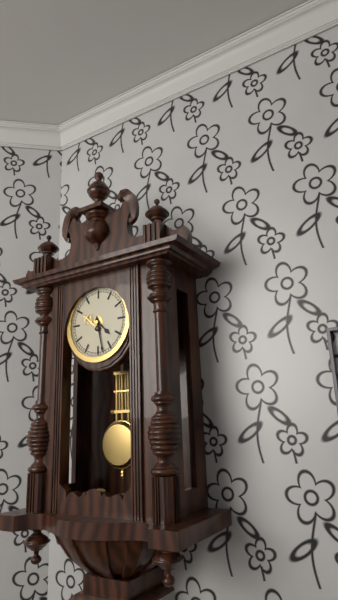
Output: 4.28
